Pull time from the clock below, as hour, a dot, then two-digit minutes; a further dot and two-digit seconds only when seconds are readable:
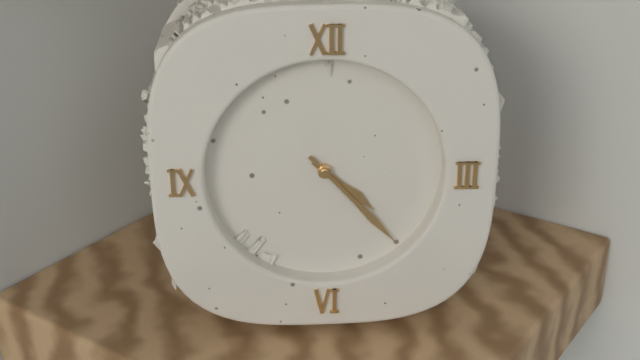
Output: 4.23
